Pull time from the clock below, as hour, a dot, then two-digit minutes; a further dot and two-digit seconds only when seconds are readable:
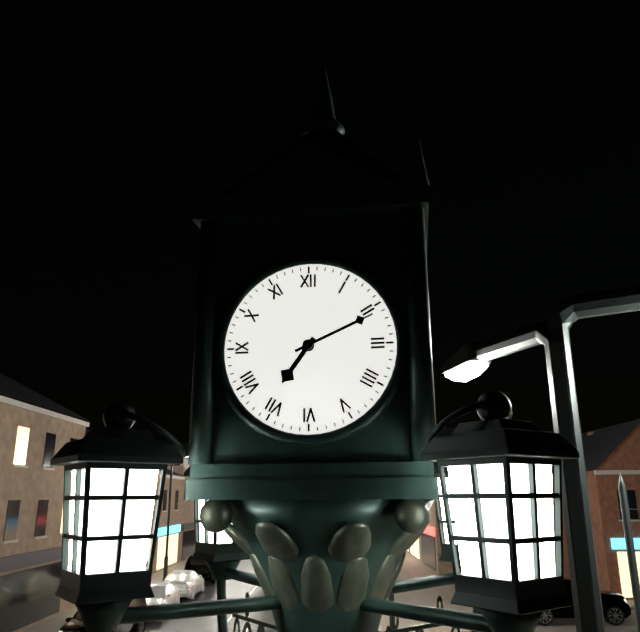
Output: 7.11
